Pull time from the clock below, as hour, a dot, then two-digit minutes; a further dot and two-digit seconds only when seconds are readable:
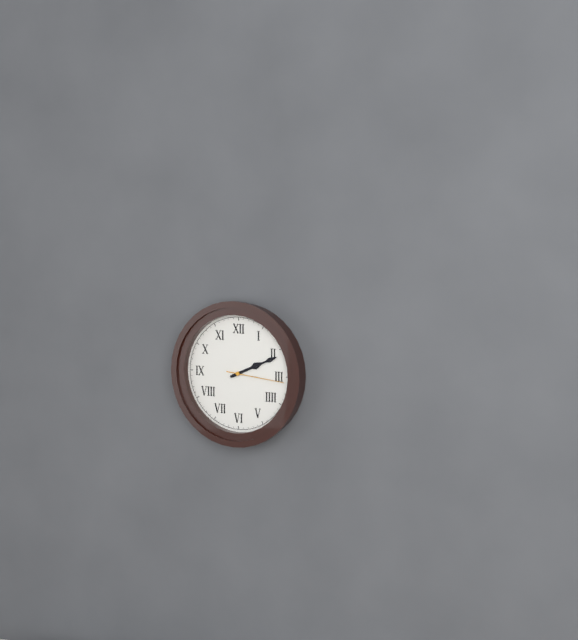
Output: 2.11.16
